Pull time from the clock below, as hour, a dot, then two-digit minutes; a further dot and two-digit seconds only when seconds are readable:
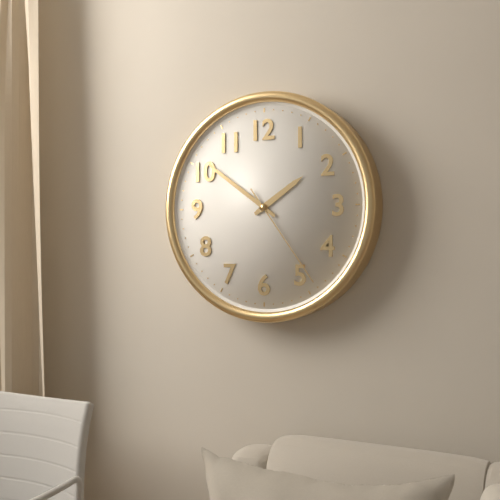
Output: 1.51.24
